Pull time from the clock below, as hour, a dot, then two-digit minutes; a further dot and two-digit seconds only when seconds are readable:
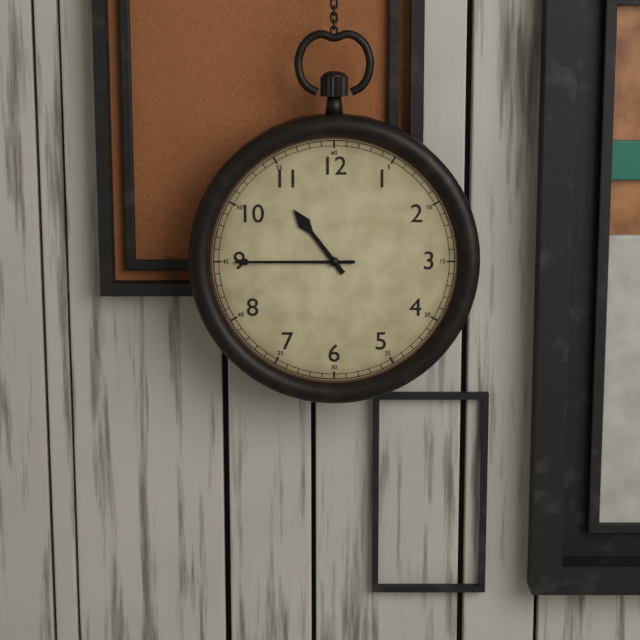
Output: 10.45
